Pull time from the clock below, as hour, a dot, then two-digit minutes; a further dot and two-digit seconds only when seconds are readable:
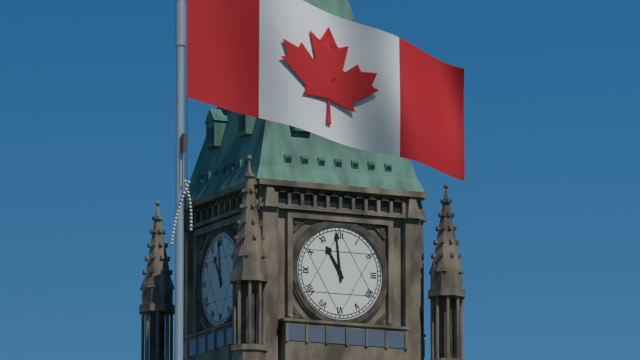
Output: 10.59
